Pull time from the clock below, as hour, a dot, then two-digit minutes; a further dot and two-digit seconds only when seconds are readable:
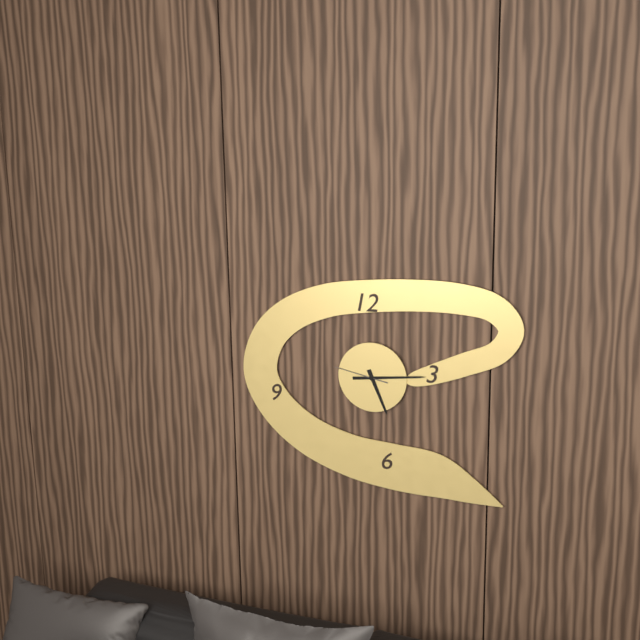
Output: 5.14.47
